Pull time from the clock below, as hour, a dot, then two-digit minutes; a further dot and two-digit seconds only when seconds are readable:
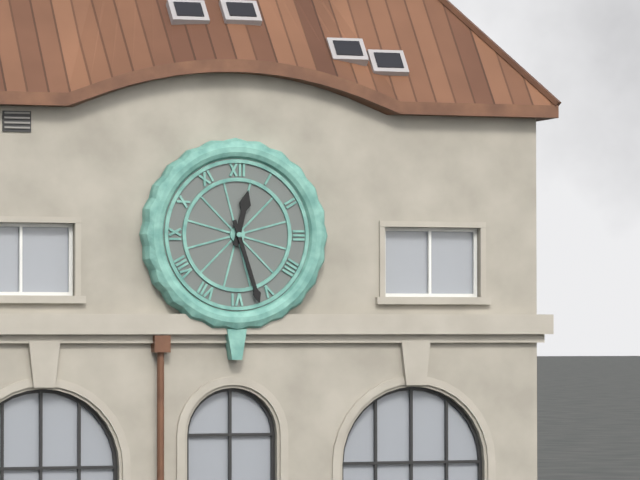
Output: 12.27
